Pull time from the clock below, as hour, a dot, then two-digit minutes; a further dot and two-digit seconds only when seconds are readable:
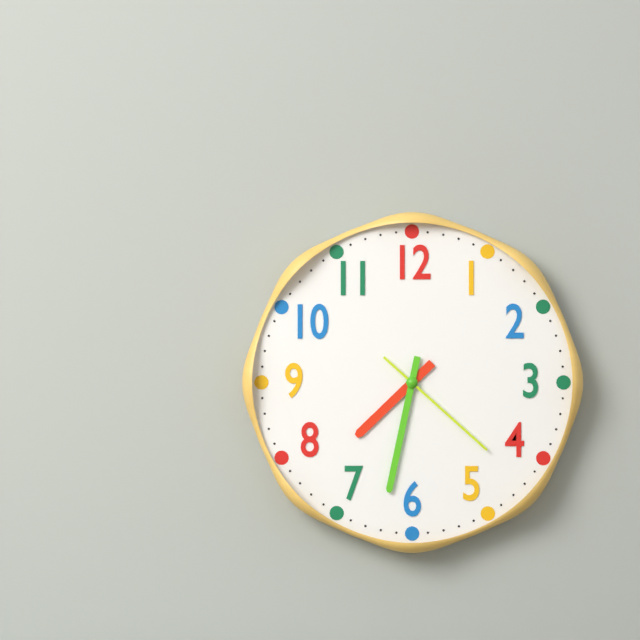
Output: 7.32.22
